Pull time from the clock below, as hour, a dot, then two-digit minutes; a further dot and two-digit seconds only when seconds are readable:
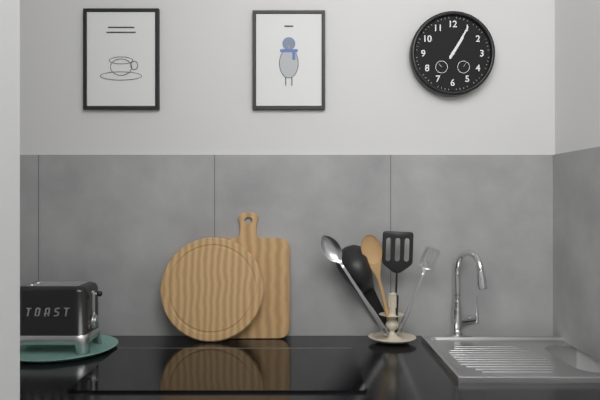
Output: 1.05
